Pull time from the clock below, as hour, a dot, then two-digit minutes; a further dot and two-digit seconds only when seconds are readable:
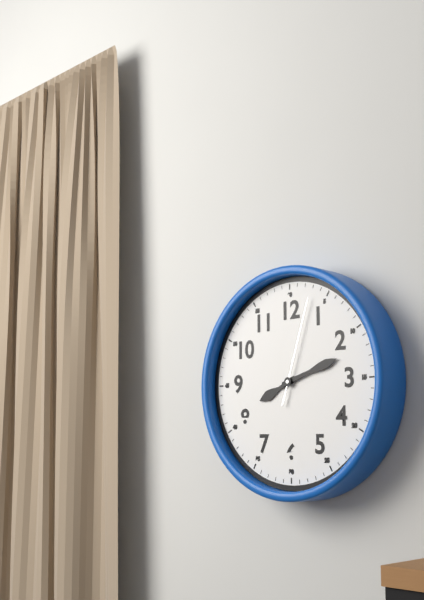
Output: 8.12.03
